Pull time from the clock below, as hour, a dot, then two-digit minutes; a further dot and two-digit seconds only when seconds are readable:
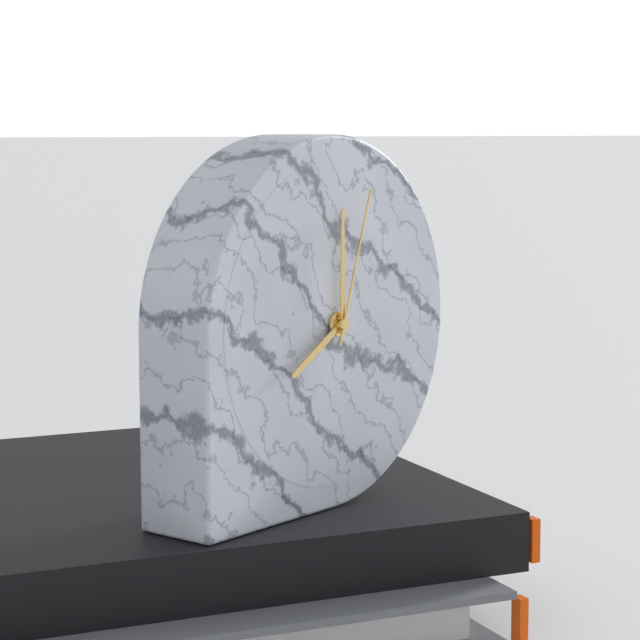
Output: 8.00.03
